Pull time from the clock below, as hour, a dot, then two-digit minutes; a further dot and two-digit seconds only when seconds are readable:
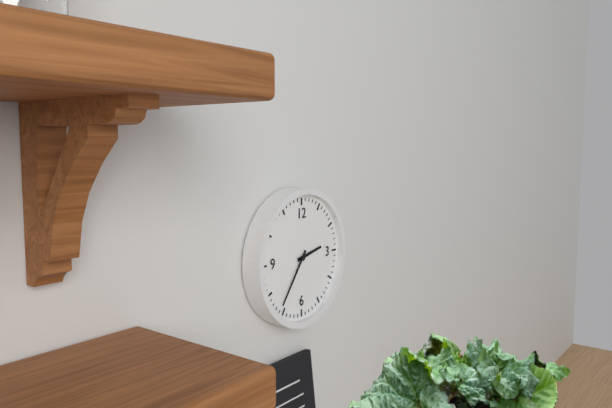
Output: 2.36
